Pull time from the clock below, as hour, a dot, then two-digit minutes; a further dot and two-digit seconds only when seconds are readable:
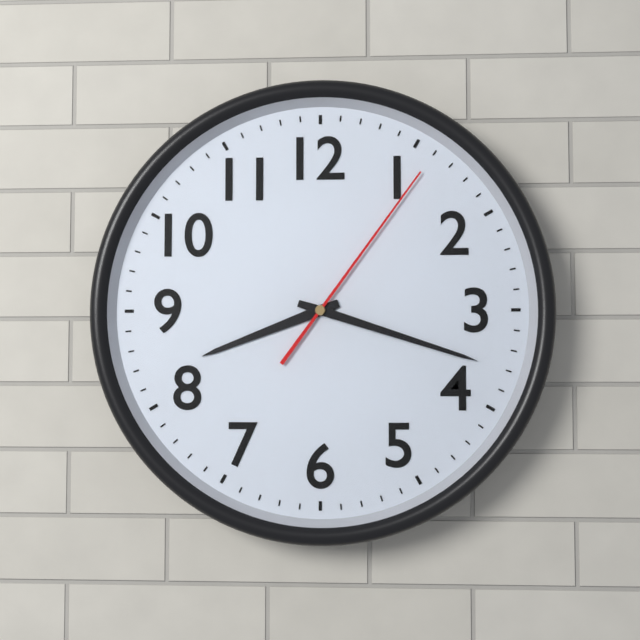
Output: 8.18.06
